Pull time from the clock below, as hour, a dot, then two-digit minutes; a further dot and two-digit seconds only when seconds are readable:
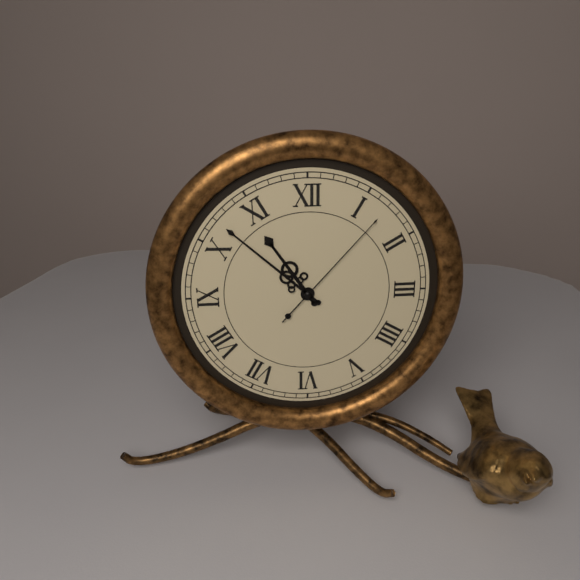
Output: 10.52.07
